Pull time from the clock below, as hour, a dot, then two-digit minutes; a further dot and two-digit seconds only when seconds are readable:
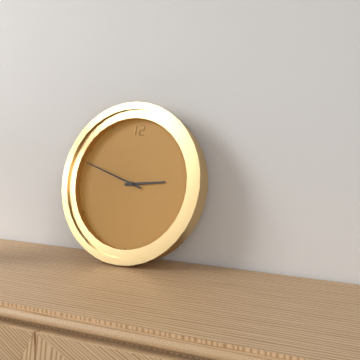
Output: 2.48
